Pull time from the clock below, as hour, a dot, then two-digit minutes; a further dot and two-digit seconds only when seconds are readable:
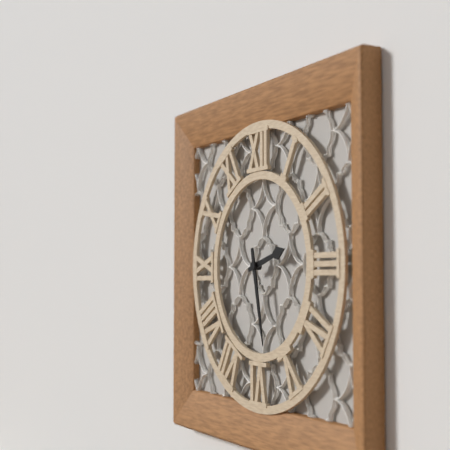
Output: 2.28
